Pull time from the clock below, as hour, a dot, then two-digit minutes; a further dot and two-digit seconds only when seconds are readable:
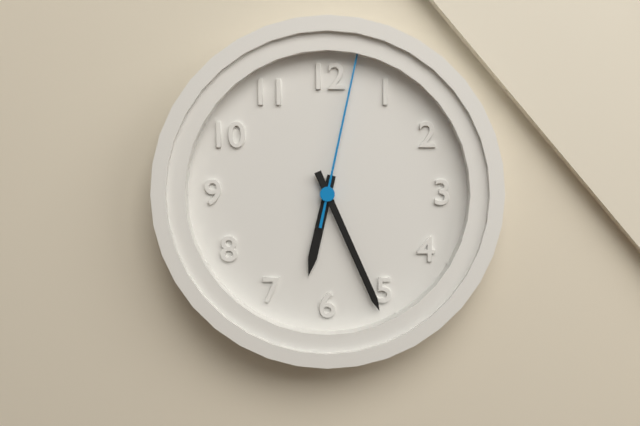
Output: 6.26.02
